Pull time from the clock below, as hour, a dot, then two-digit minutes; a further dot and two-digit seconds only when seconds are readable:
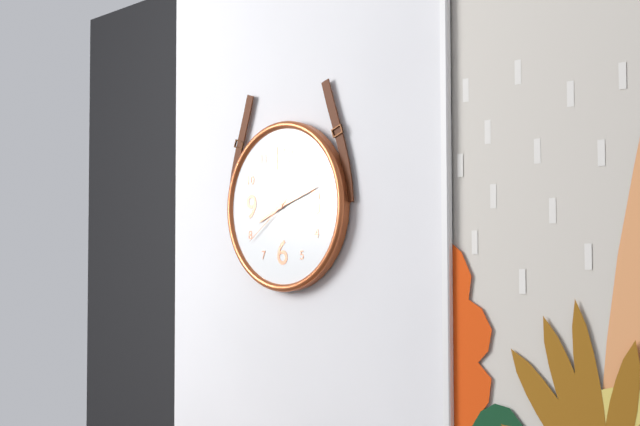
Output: 8.12.39
